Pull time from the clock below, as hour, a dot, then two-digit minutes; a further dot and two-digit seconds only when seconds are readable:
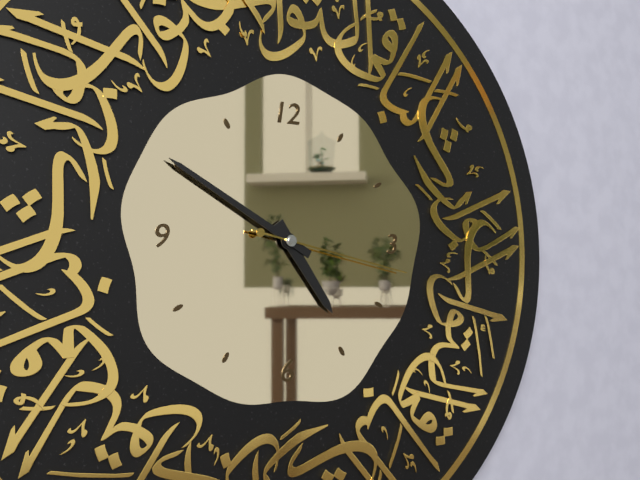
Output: 4.50.17
